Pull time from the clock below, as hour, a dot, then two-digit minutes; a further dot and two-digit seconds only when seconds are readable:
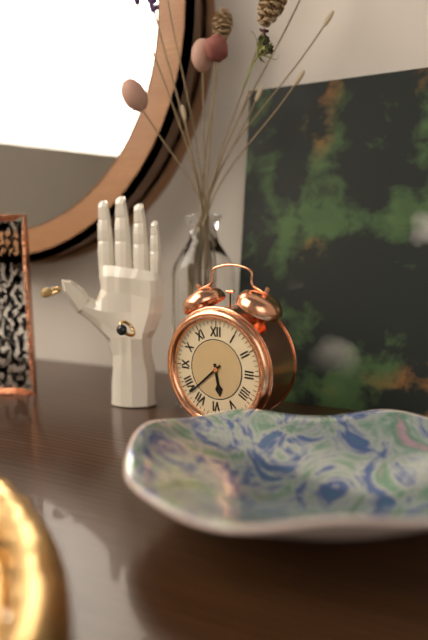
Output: 5.38
